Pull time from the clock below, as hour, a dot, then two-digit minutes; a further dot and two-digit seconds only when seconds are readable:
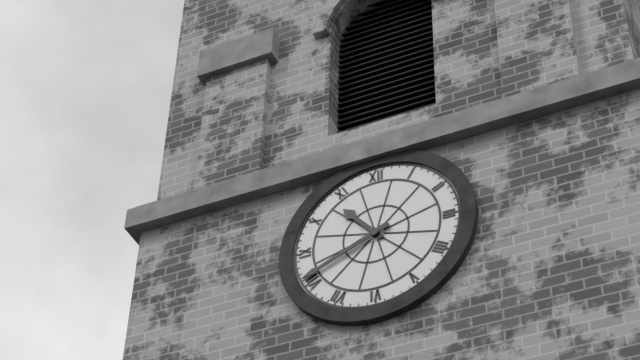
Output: 10.41
